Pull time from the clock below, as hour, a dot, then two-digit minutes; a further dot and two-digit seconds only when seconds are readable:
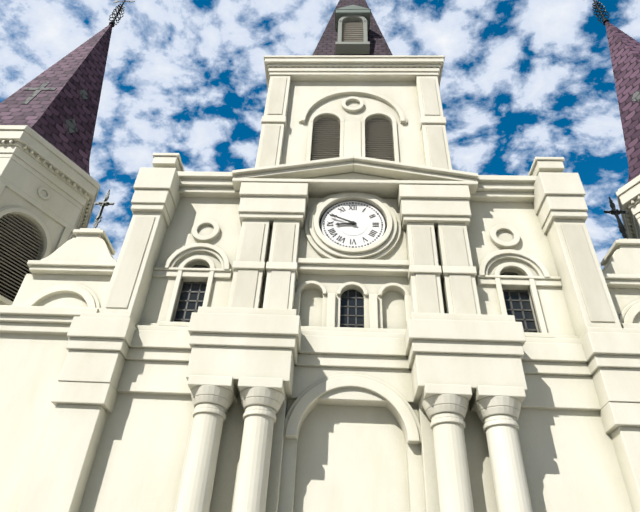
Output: 8.49
